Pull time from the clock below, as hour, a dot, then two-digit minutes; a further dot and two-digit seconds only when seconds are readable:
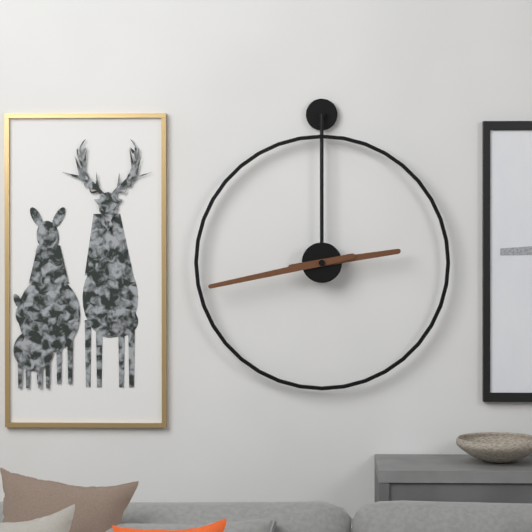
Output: 2.43
